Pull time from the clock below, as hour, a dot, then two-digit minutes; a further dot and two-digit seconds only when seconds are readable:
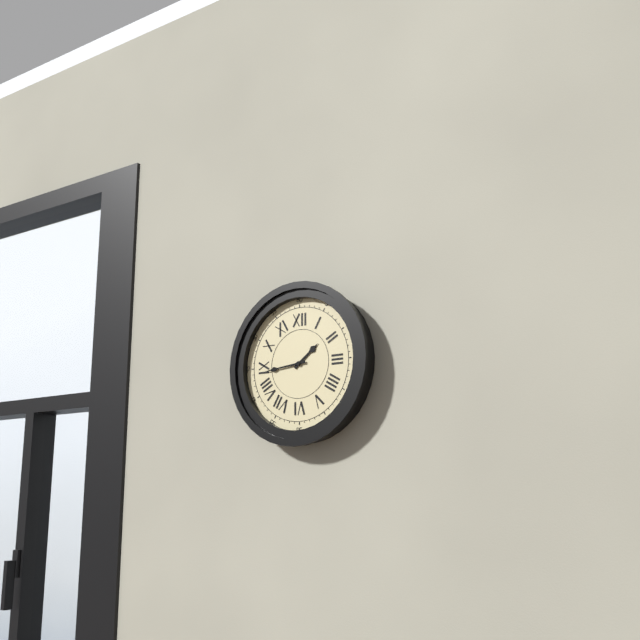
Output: 1.44
